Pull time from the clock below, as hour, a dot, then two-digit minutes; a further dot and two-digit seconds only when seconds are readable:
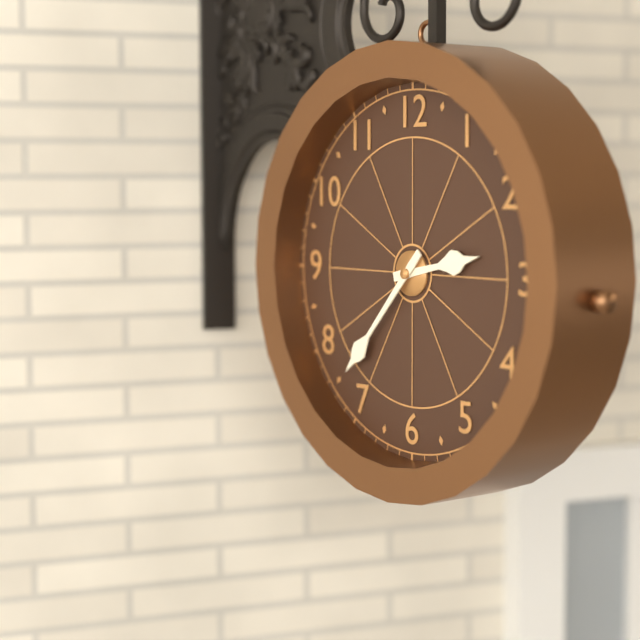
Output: 2.37
